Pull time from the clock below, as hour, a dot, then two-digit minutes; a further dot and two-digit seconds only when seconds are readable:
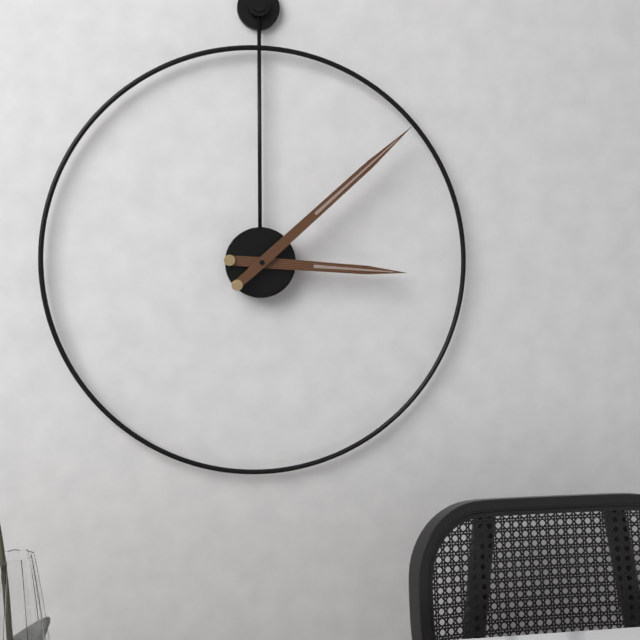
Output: 3.08
